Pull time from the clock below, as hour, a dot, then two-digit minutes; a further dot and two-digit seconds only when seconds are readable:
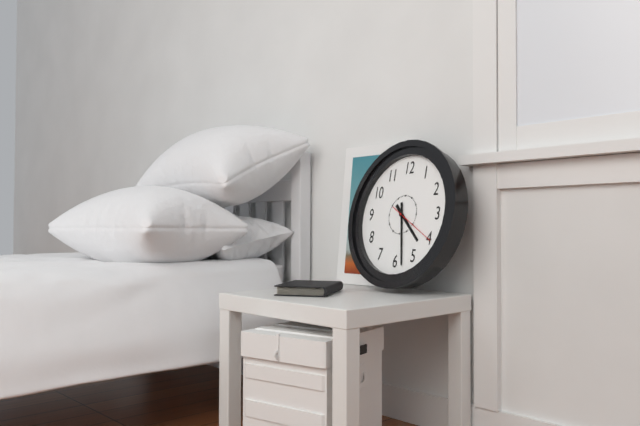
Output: 4.28
